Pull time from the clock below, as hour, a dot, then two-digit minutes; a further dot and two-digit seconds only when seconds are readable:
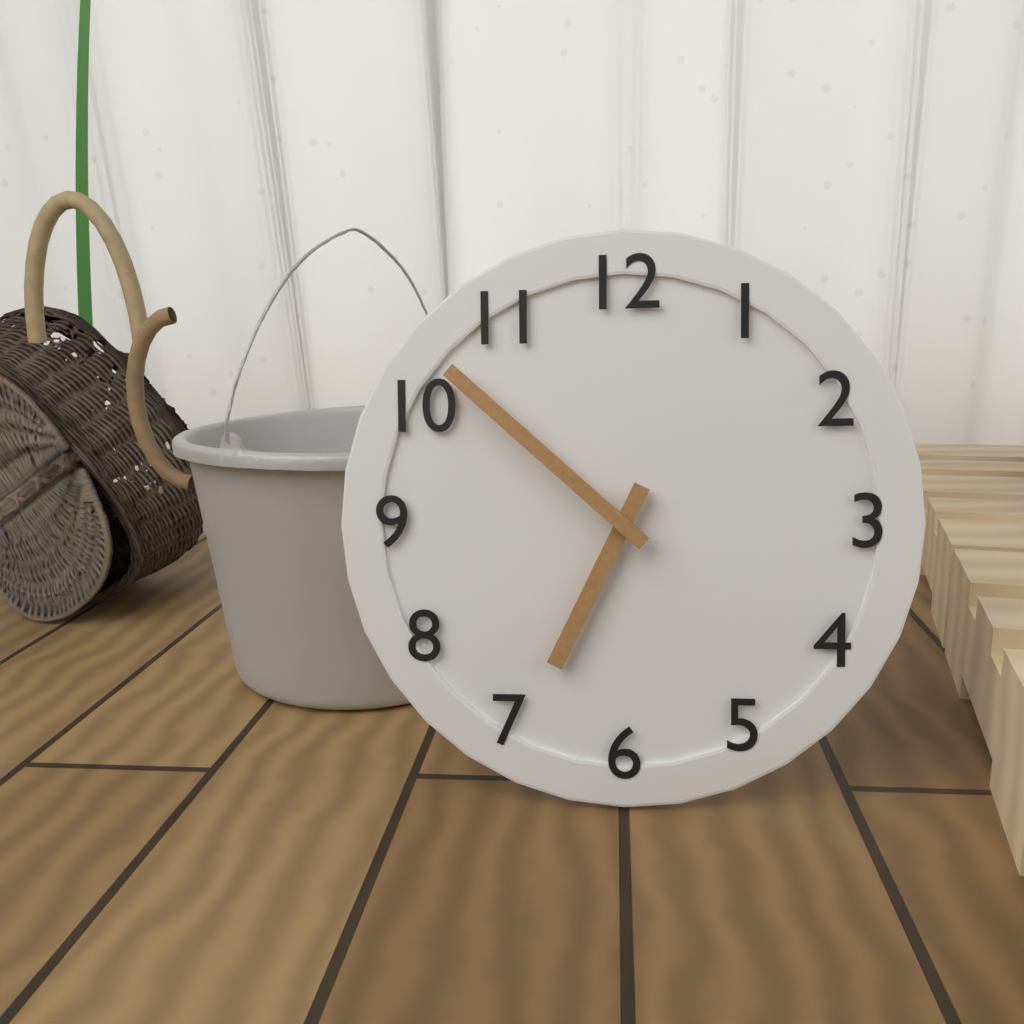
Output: 6.52
